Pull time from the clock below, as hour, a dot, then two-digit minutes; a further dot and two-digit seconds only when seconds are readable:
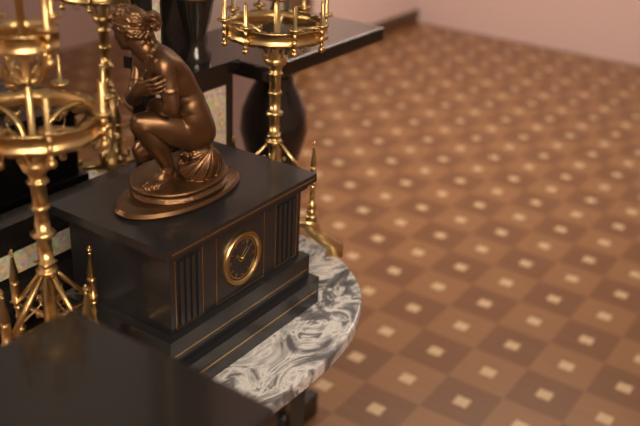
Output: 10.08
